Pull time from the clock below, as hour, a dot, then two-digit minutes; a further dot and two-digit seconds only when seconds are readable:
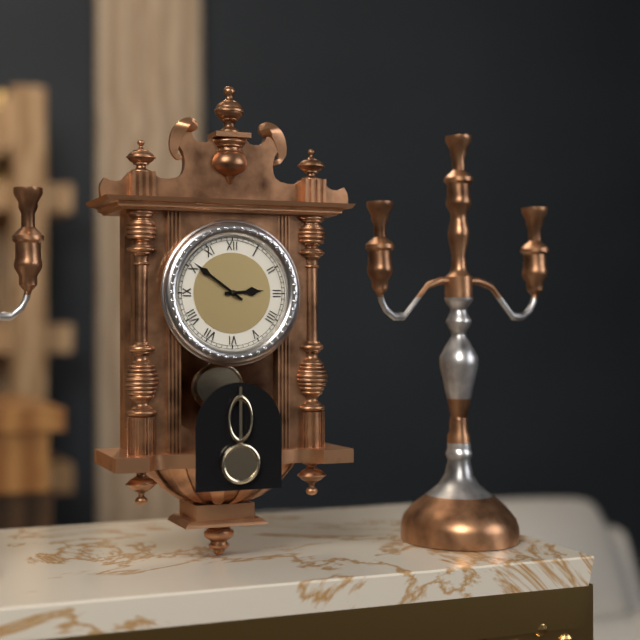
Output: 2.51
